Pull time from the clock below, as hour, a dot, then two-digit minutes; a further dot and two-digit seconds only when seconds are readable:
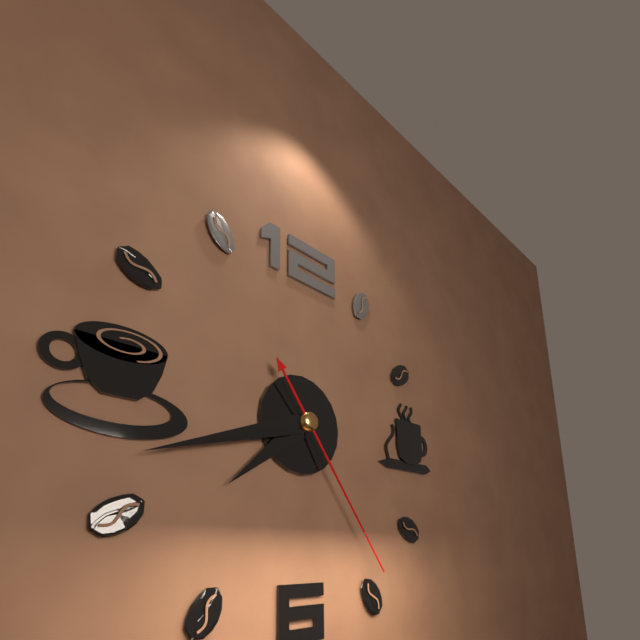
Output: 7.42.24
